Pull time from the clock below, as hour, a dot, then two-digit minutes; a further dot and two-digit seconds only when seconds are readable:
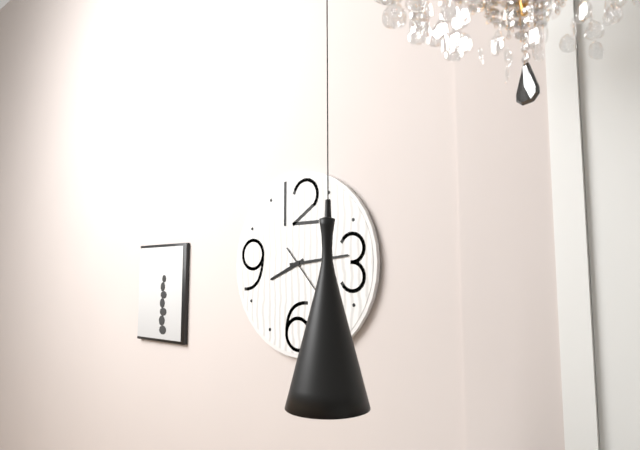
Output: 8.14
